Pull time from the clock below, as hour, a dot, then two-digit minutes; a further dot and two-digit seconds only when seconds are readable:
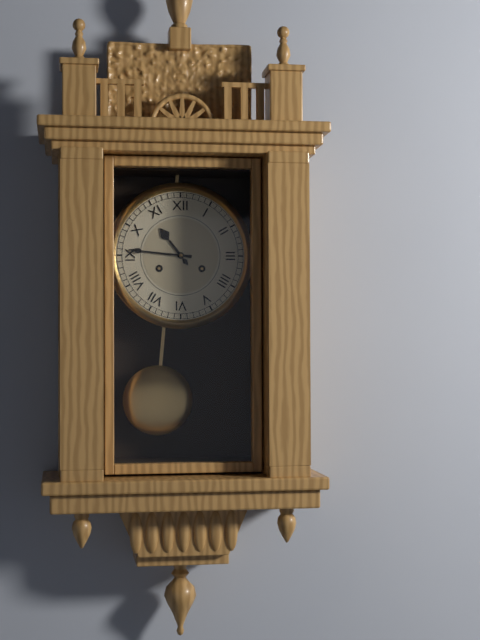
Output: 10.46
